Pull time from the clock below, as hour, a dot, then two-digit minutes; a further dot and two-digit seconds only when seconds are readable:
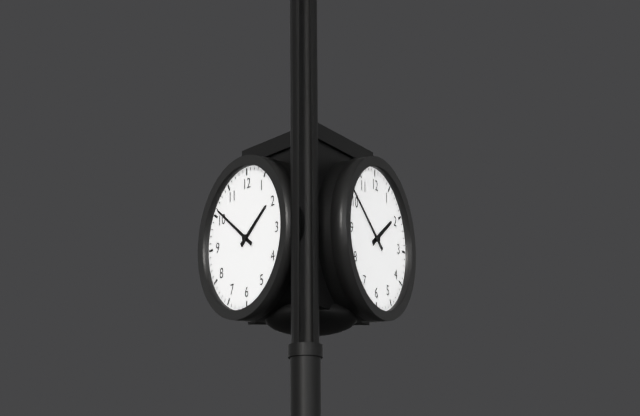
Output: 1.51
